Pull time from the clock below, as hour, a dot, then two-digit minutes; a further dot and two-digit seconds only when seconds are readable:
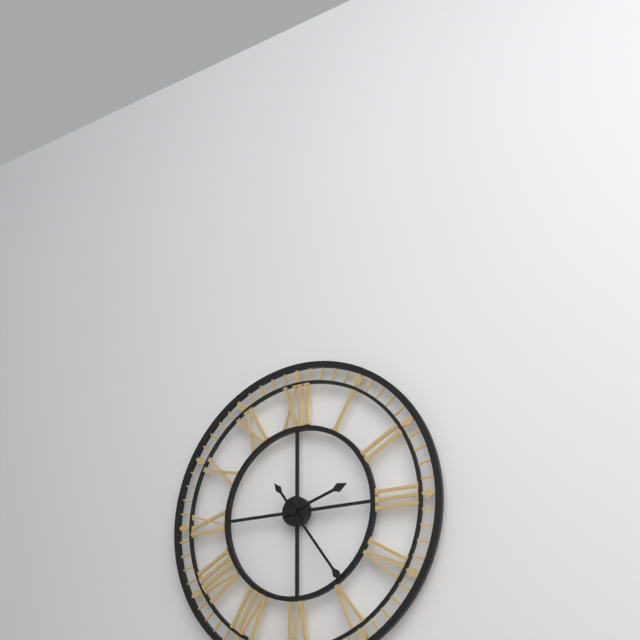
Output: 2.24
